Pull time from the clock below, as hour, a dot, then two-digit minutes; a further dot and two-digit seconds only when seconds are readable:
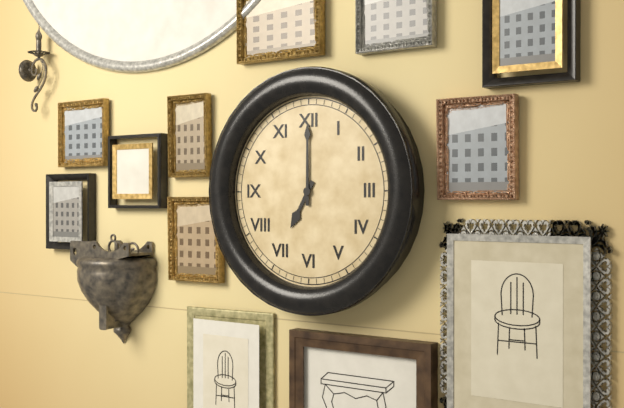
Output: 7.00
